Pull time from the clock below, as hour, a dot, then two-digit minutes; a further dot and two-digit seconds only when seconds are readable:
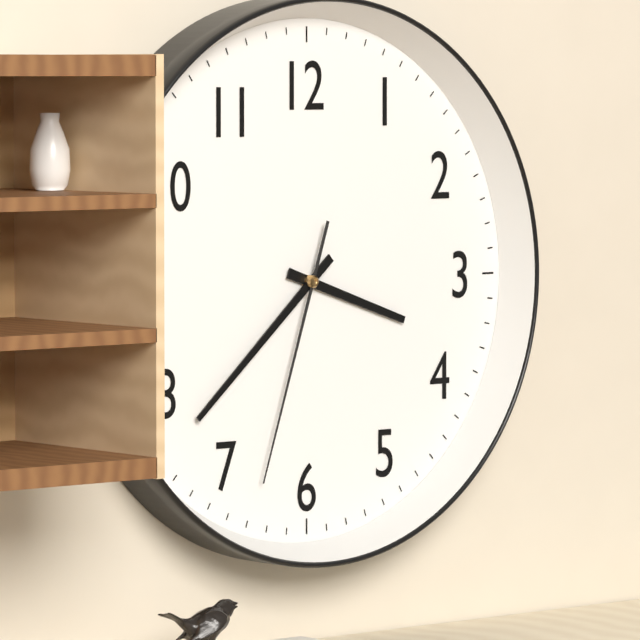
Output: 3.38.33
